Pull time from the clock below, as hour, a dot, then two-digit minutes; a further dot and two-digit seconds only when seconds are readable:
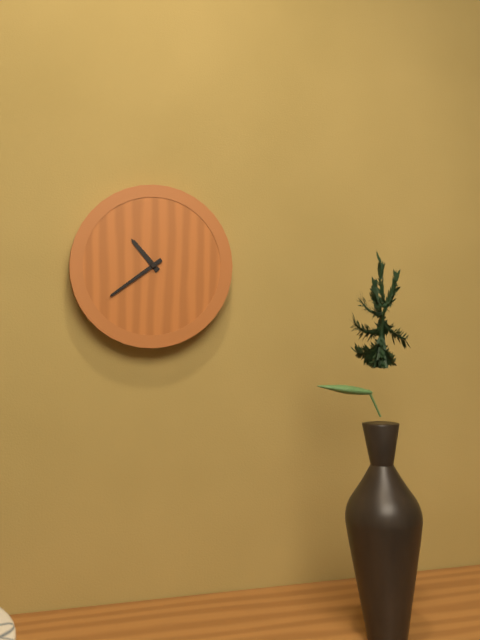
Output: 10.39
